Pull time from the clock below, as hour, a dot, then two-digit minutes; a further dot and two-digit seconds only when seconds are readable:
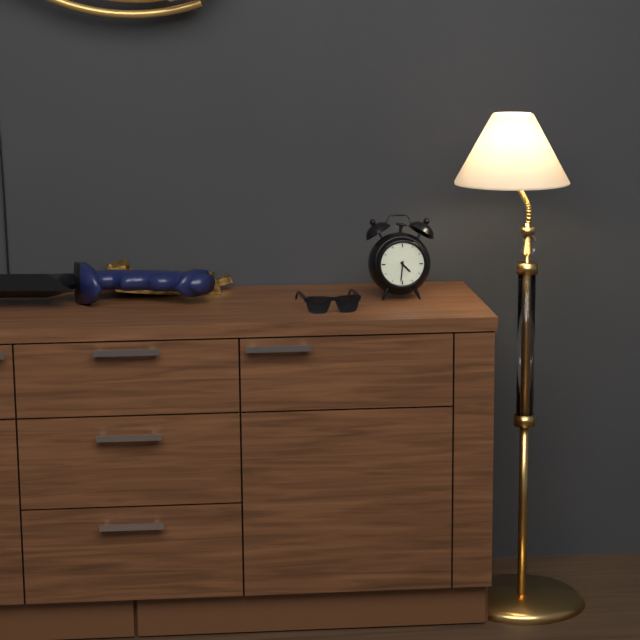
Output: 4.31
